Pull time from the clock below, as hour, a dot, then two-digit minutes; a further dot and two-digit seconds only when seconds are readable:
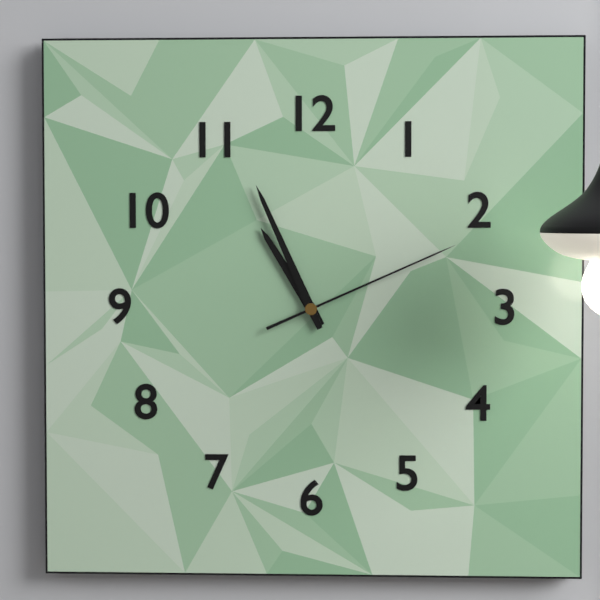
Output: 10.56.11
